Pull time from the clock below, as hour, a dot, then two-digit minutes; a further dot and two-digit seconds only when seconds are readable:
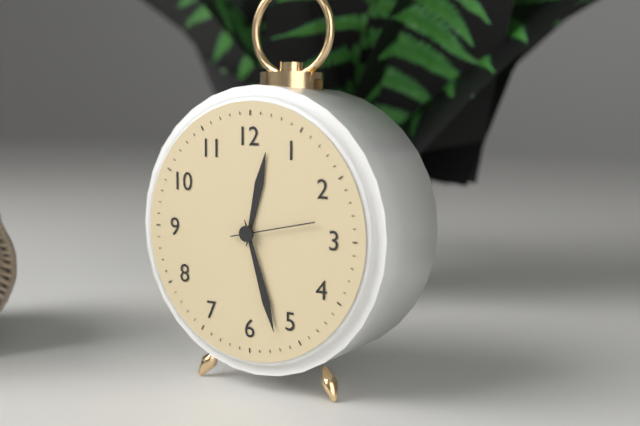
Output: 12.27.13
